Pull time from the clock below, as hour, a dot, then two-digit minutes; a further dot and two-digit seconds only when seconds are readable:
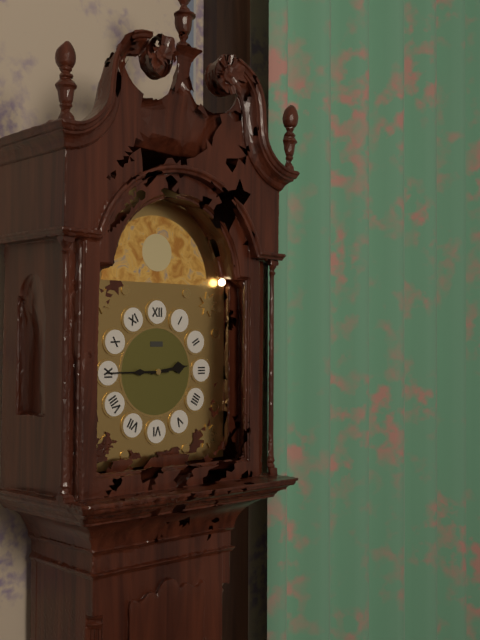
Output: 2.45
